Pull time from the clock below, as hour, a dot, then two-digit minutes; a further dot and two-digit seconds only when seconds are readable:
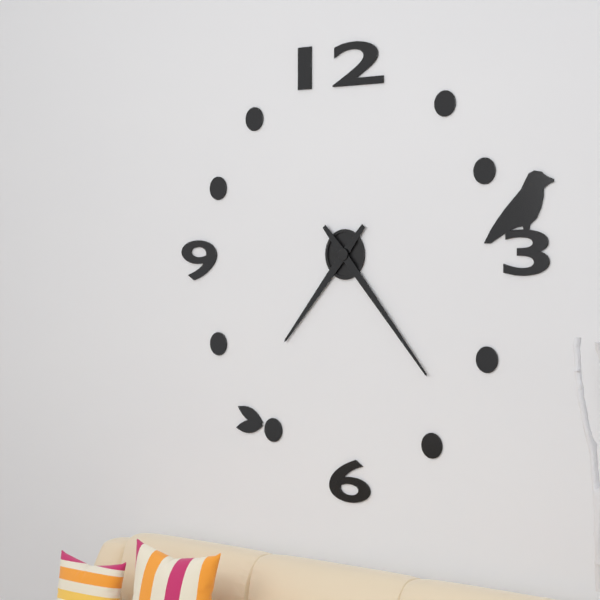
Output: 7.23
